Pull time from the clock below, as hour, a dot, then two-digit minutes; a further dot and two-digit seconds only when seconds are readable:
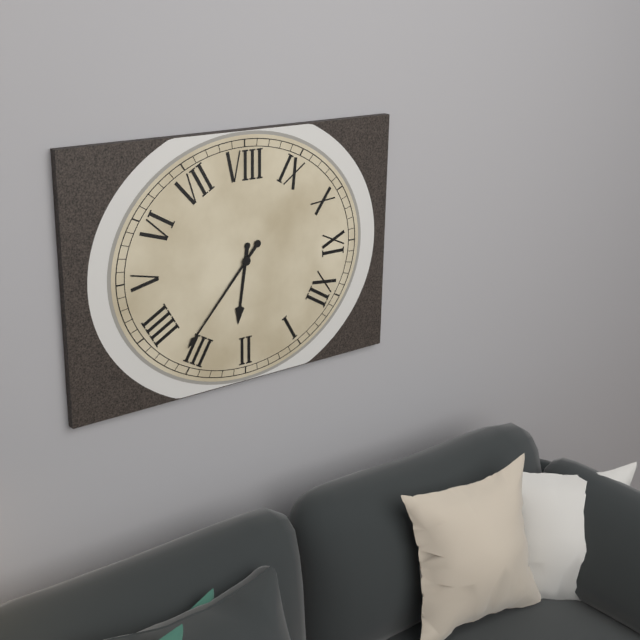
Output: 2.17
